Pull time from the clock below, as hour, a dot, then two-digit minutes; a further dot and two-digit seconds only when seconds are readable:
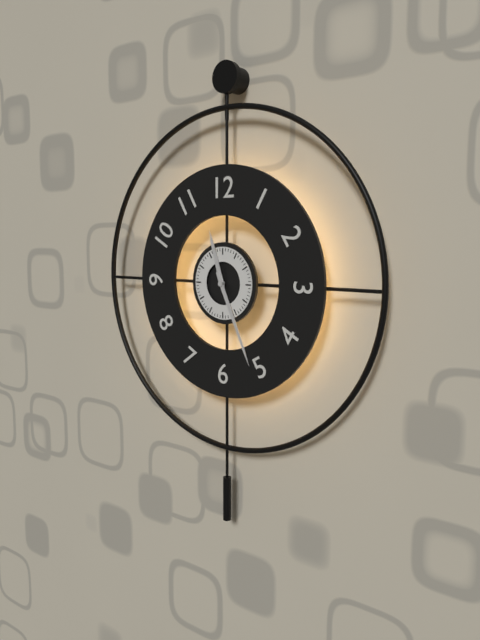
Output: 11.26
